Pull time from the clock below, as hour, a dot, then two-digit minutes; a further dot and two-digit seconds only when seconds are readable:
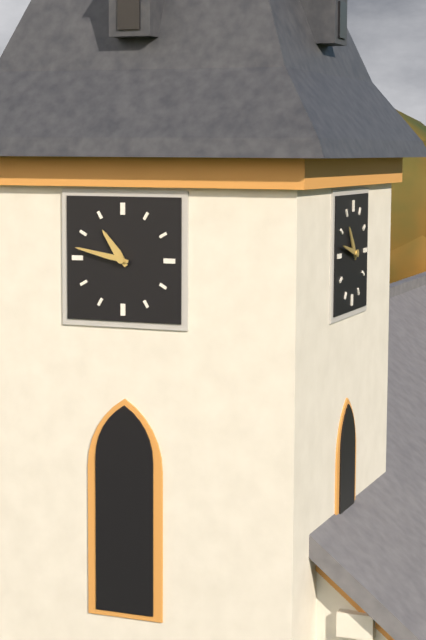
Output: 10.47
